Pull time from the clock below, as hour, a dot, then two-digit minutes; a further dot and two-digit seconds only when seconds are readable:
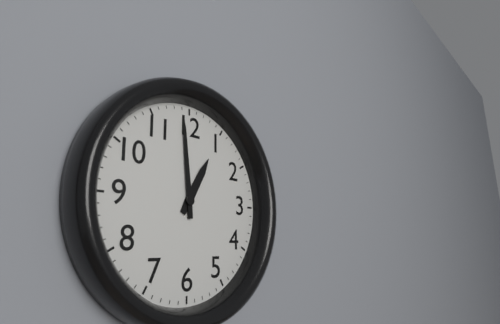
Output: 12.59
